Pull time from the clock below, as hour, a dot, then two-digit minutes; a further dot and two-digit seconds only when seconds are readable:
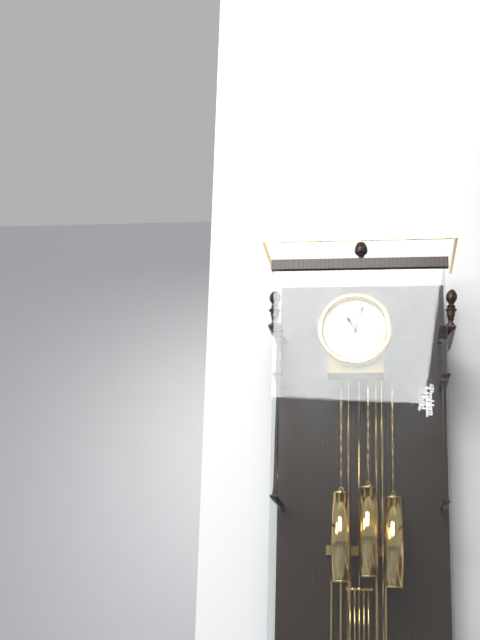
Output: 11.03
